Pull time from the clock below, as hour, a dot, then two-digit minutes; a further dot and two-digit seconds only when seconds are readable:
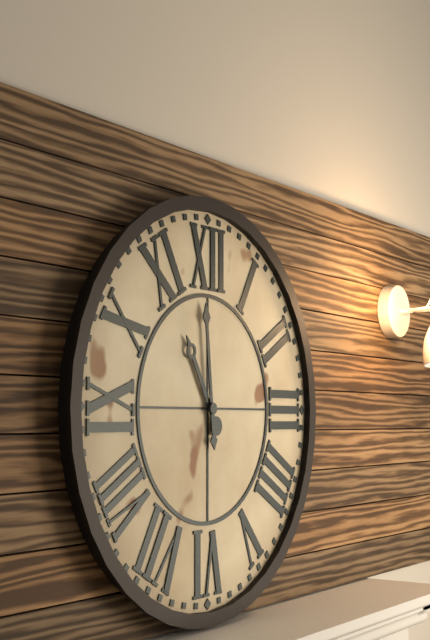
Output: 10.59
